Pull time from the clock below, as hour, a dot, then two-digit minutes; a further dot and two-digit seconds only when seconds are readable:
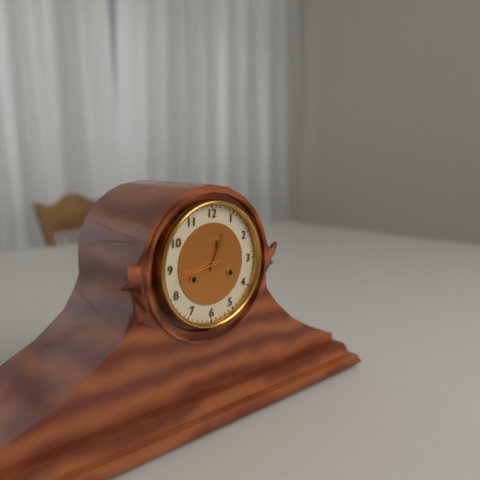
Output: 12.43
